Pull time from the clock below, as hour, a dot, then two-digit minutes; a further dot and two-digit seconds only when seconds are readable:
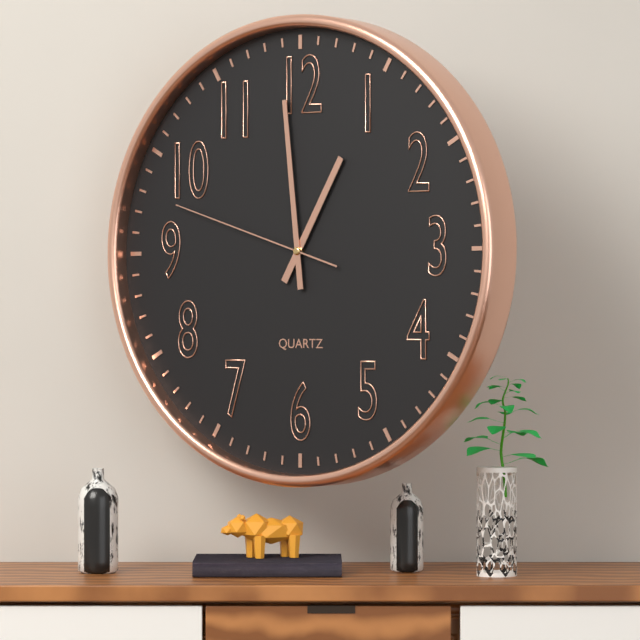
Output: 12.59.48
